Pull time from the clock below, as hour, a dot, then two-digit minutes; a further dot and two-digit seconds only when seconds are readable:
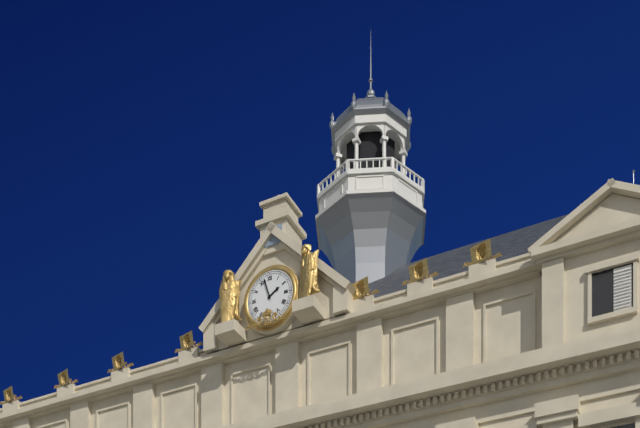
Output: 1.57
